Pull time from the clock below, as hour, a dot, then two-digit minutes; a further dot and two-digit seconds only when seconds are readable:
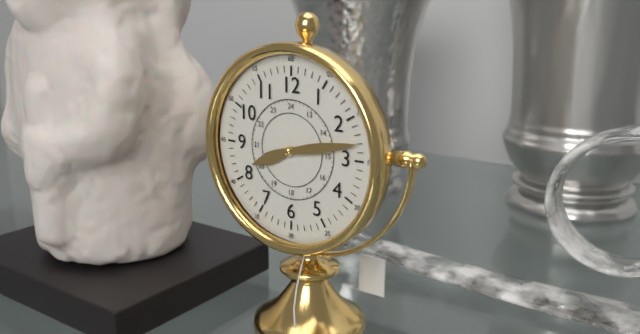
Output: 8.13
